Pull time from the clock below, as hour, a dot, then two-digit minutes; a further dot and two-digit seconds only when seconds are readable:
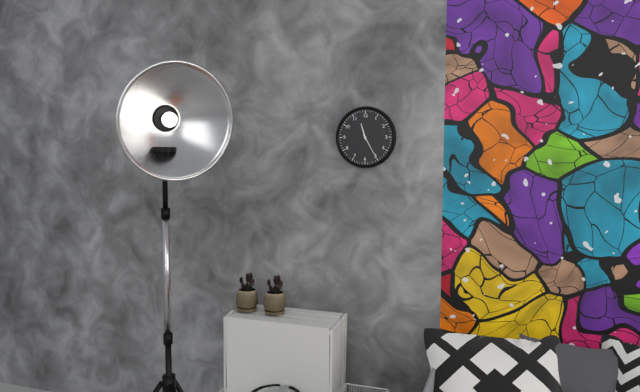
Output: 11.25
